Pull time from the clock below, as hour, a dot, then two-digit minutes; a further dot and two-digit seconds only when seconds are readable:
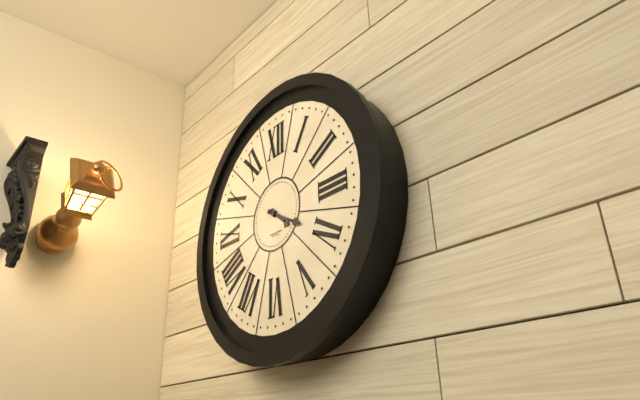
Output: 4.20
